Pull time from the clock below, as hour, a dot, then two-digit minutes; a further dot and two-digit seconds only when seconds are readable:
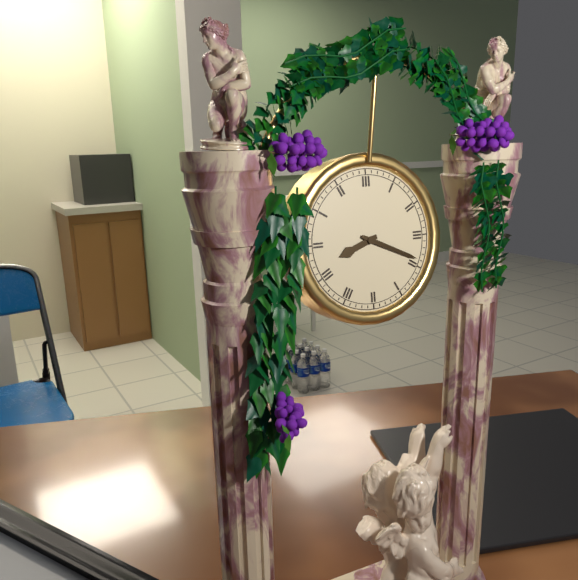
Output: 8.19
